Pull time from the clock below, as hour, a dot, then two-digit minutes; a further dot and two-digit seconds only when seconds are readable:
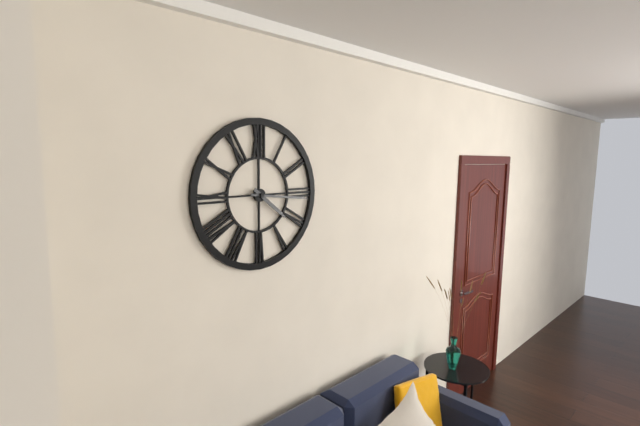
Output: 4.16
